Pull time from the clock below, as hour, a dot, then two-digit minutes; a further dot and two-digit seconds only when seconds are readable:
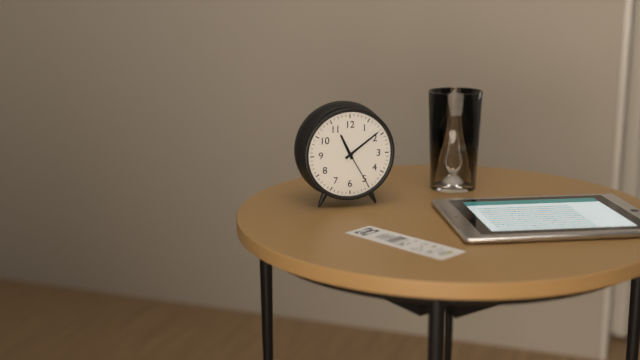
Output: 11.09
